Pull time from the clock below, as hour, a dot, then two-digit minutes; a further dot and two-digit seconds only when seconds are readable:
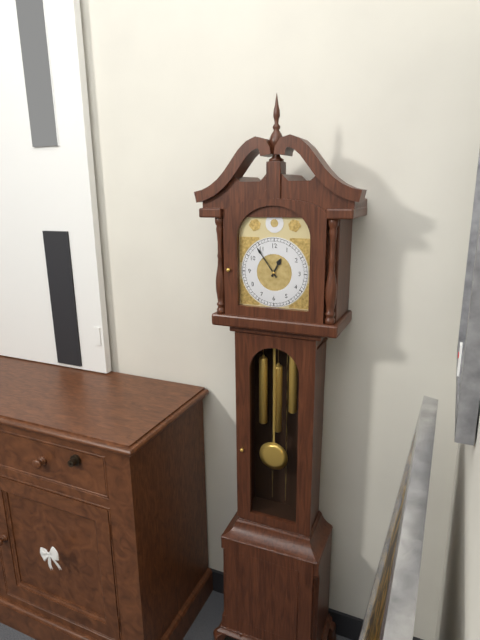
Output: 12.54
